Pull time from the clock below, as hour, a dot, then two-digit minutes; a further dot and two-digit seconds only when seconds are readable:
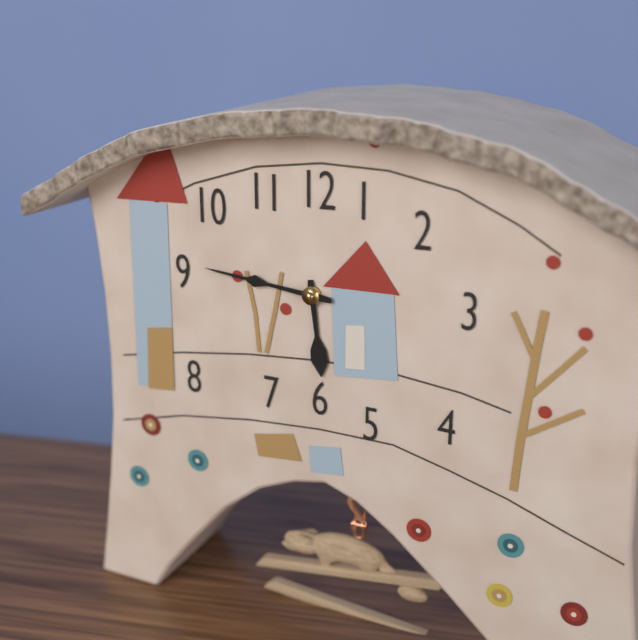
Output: 5.46
